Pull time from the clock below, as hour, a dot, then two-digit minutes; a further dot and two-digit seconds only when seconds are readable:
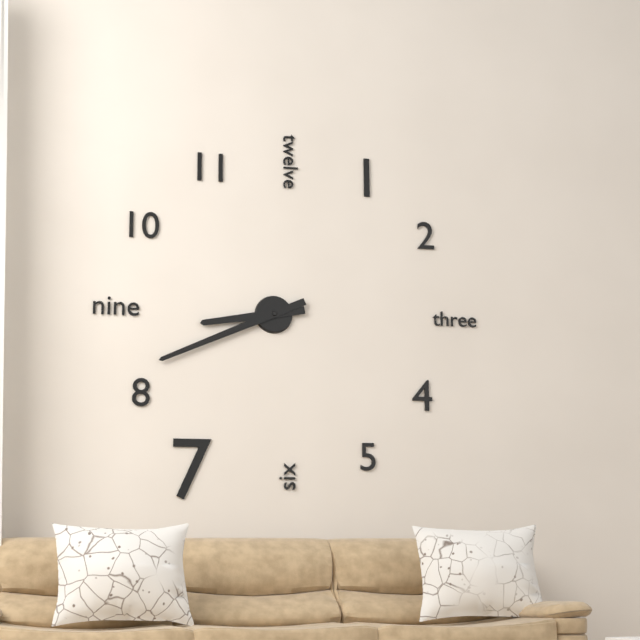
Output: 8.41
